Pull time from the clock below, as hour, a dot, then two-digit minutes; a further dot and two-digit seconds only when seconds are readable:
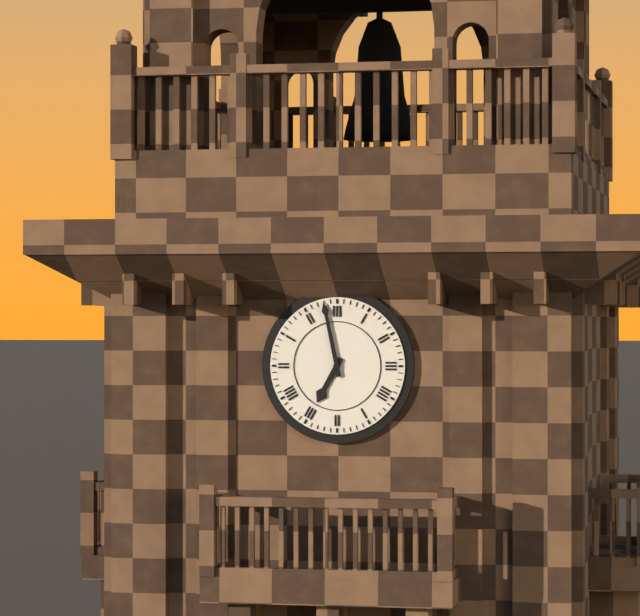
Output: 6.58
